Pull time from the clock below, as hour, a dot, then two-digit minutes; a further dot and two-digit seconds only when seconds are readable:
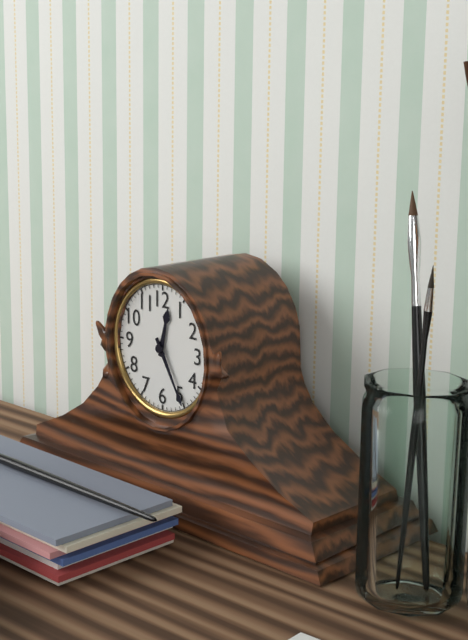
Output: 12.25
